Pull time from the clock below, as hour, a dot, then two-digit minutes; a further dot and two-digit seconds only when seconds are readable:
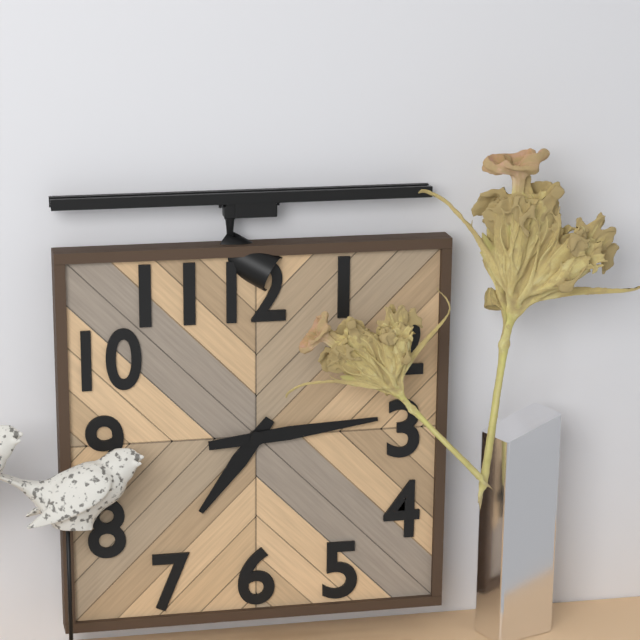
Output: 7.14
